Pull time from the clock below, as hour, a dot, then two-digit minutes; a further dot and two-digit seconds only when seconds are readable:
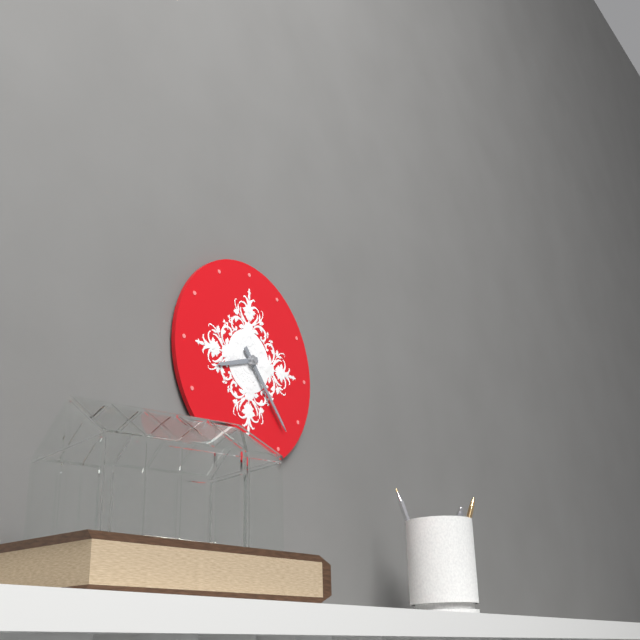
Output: 8.23
